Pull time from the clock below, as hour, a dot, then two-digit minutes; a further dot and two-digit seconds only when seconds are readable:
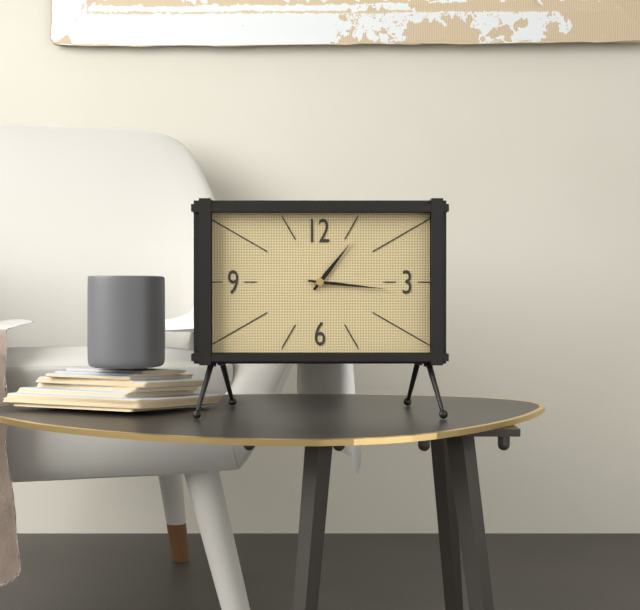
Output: 1.16
